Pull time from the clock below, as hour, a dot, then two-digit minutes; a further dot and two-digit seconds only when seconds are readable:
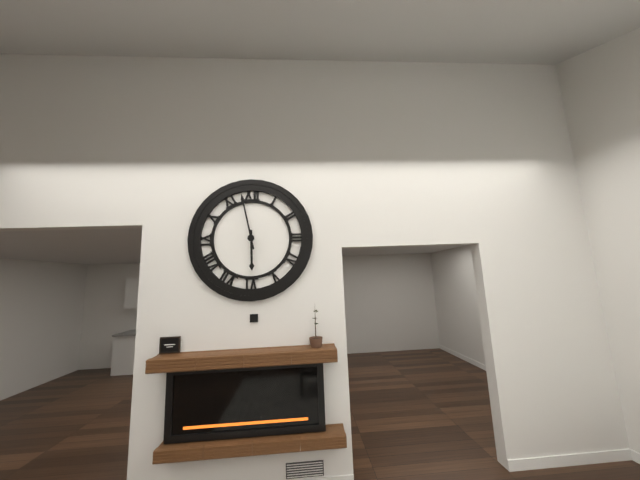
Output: 5.58
